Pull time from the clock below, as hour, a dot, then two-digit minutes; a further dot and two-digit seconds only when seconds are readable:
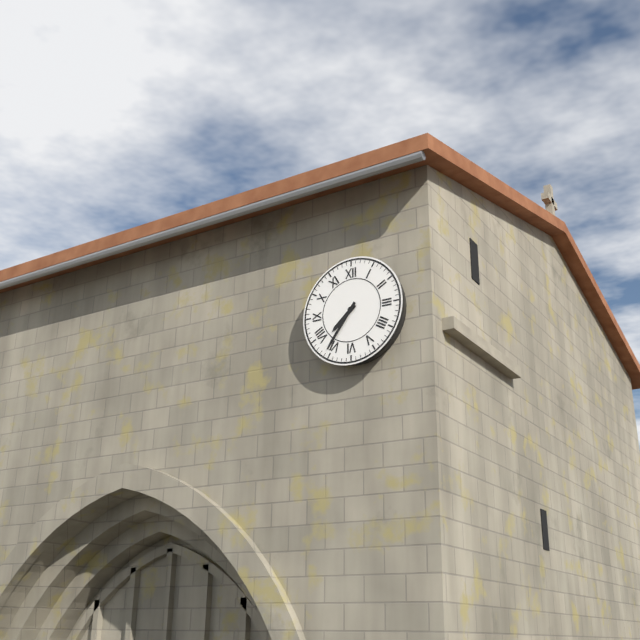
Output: 7.36
